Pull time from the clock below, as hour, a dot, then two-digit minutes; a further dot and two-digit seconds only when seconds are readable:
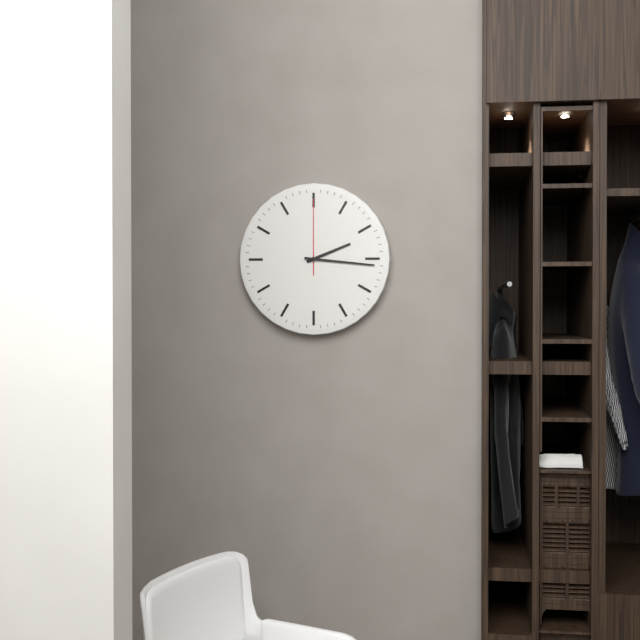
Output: 2.16.00
